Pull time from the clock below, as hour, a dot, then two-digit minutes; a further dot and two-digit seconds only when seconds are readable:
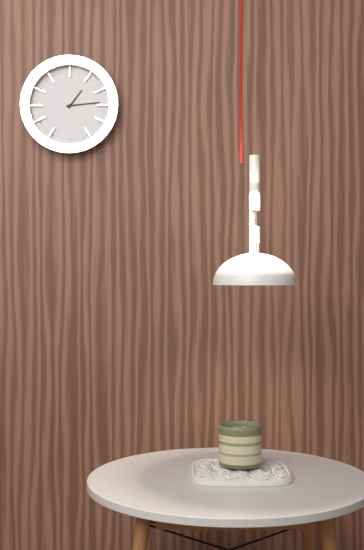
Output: 1.14
